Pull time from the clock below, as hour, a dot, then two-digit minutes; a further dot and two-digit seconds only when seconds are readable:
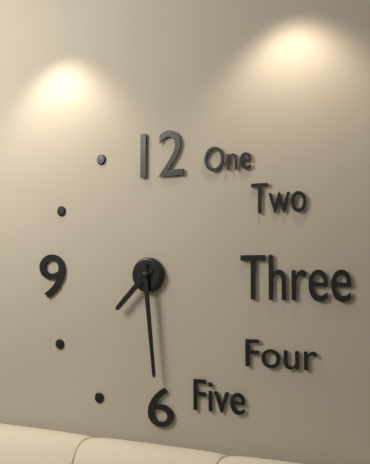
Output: 7.29
